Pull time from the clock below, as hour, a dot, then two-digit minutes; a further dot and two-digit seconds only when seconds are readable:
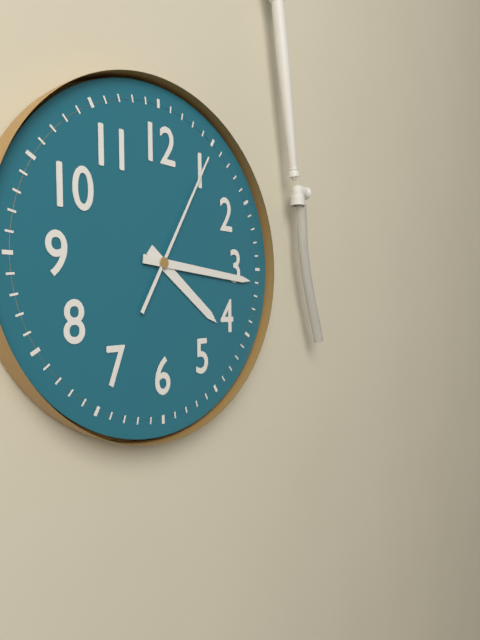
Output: 4.16.05
